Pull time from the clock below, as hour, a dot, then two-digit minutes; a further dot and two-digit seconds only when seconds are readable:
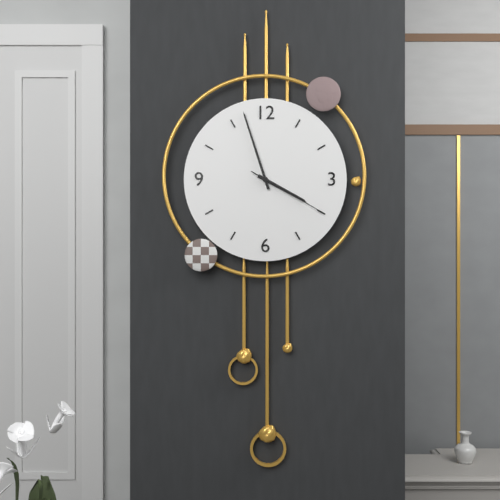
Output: 3.57.20
